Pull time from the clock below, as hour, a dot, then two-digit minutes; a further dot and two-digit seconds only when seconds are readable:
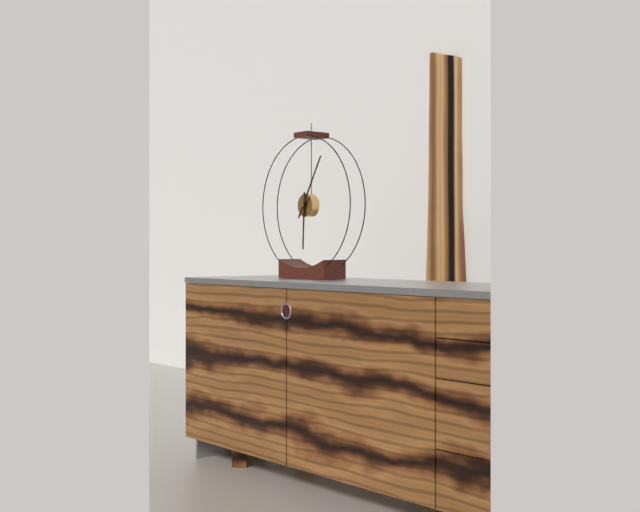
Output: 6.05
